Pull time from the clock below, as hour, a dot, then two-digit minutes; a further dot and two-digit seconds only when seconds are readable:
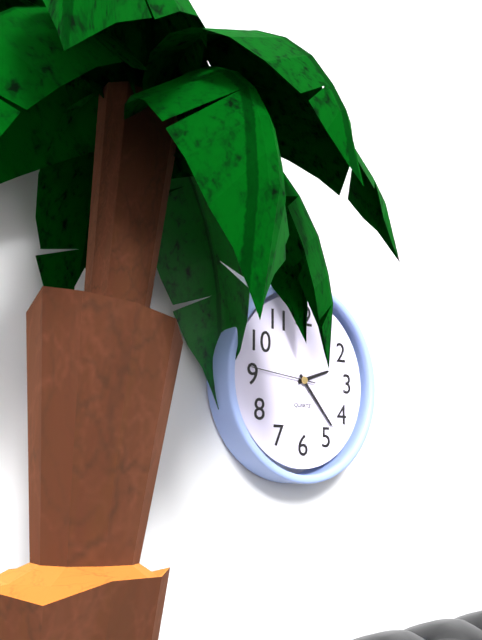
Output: 2.23.46
